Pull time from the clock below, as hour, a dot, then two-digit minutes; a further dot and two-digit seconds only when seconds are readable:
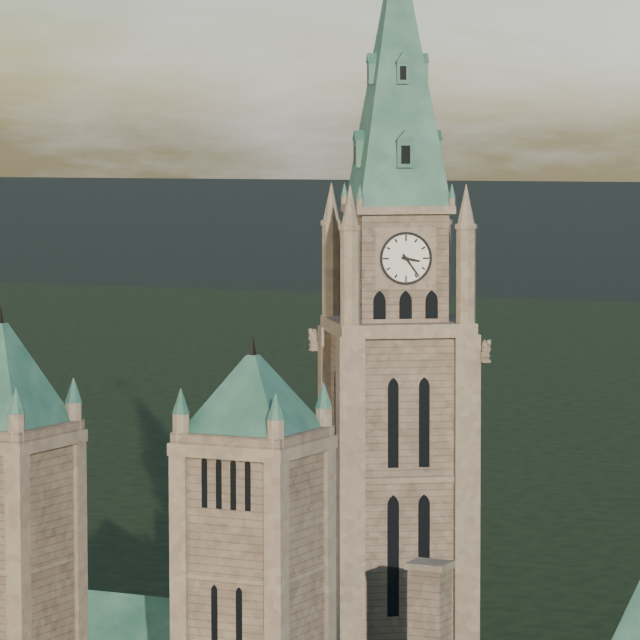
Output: 3.24
